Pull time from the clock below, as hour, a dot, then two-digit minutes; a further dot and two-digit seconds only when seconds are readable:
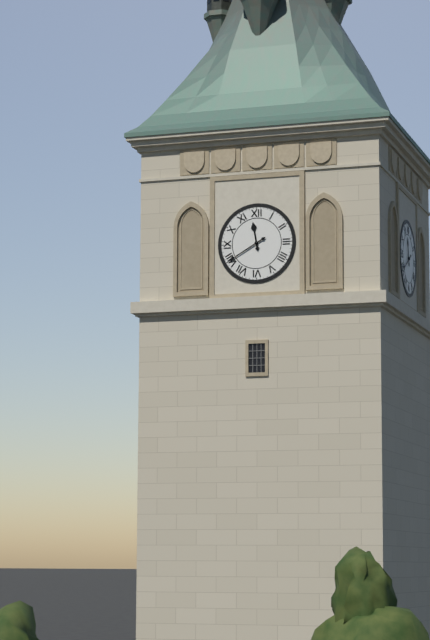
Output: 11.40
